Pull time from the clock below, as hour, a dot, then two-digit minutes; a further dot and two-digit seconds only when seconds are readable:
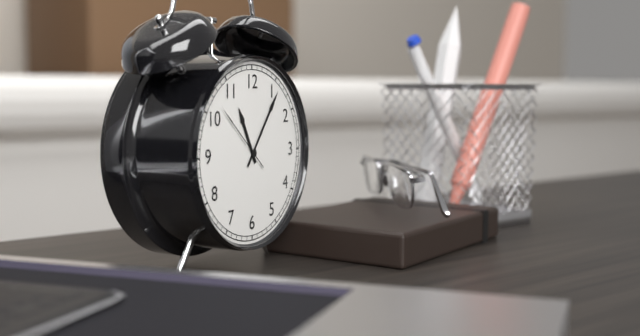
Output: 11.06.52
